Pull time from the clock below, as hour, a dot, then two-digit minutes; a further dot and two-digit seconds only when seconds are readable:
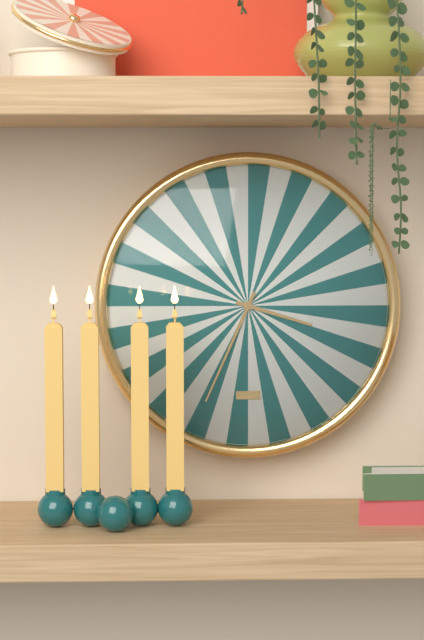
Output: 3.34
